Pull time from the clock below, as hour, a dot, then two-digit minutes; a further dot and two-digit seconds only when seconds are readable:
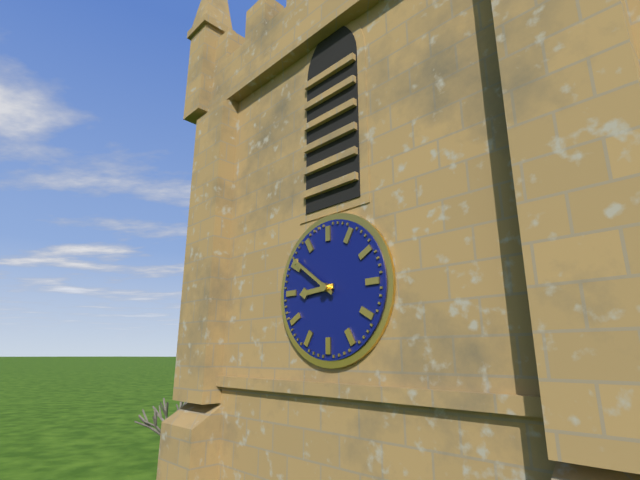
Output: 8.51
